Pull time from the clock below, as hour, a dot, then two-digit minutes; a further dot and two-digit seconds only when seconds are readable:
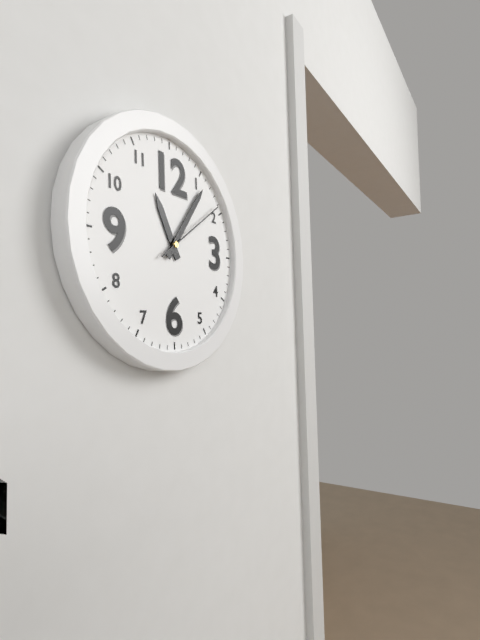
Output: 11.06.09
